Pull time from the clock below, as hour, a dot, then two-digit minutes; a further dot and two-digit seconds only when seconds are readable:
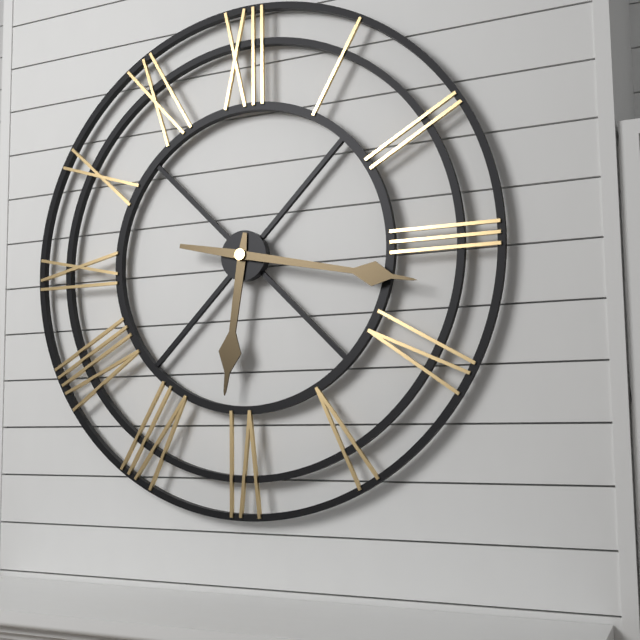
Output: 6.17
